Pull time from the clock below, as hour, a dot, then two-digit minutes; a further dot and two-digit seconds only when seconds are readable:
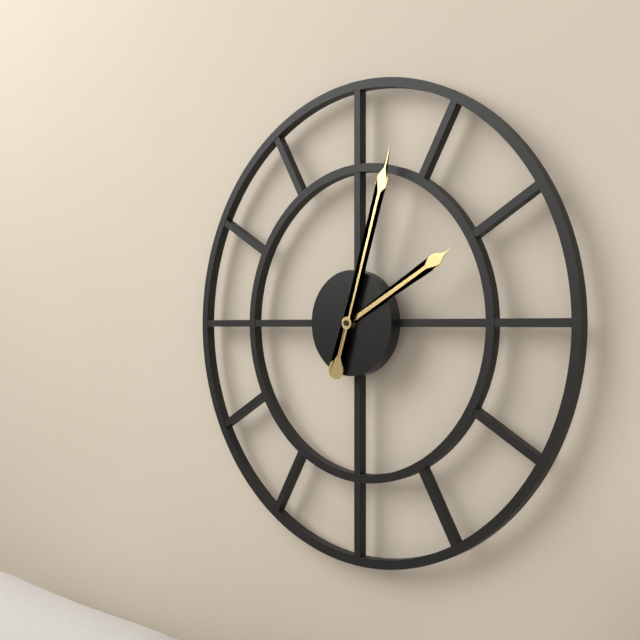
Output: 2.03
